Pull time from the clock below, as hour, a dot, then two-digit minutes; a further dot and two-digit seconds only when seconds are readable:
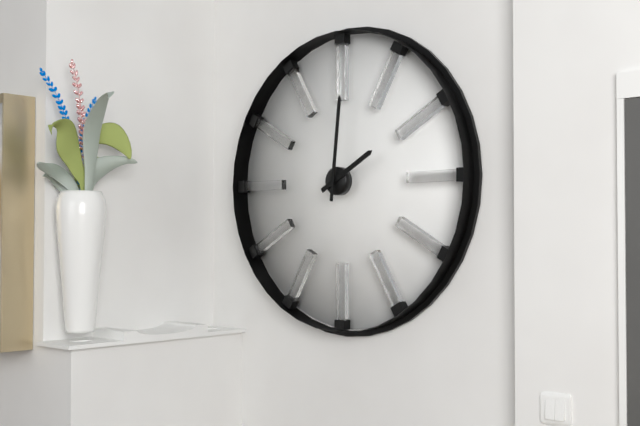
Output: 2.01
